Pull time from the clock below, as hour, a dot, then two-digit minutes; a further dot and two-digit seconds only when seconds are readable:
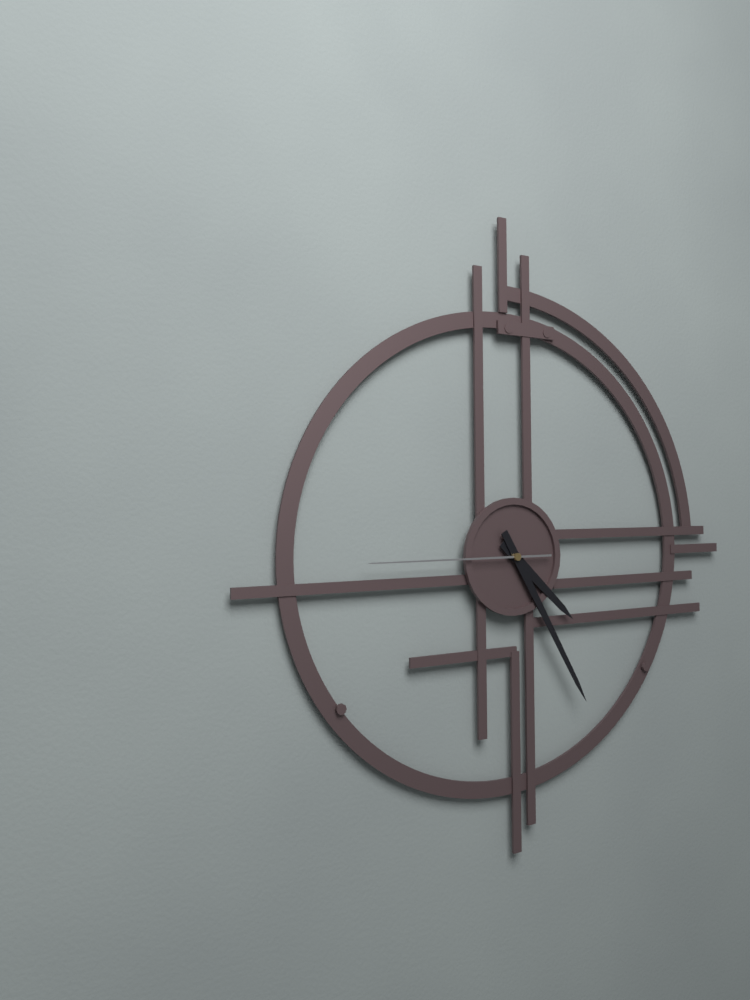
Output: 4.25.45
